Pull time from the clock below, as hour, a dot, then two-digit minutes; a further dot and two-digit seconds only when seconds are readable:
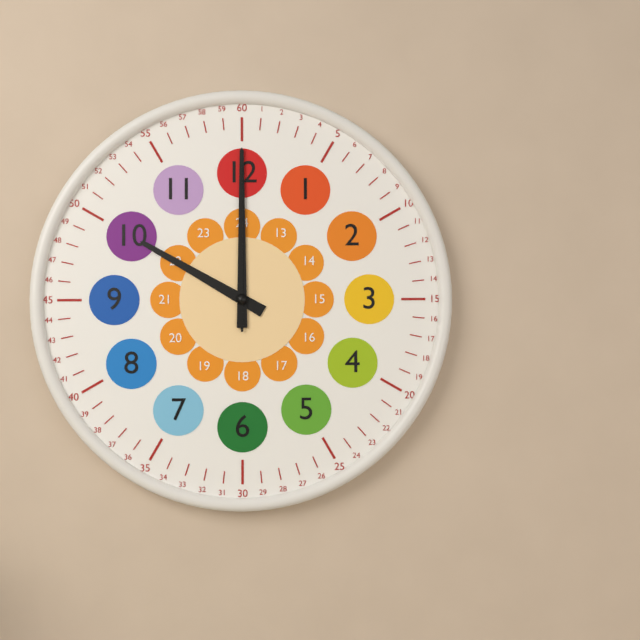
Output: 10.00.00
